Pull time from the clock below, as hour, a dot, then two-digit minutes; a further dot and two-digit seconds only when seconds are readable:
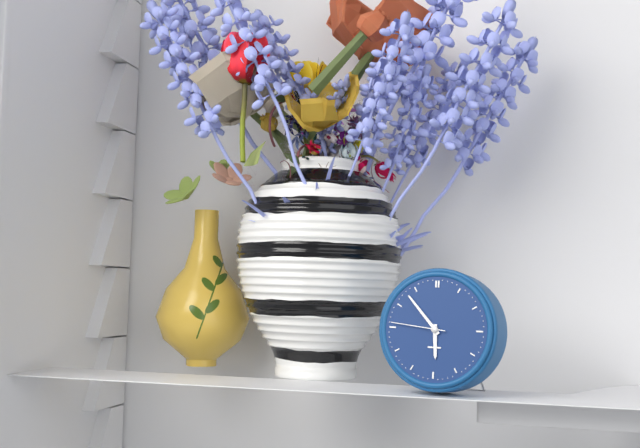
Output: 5.53.46
